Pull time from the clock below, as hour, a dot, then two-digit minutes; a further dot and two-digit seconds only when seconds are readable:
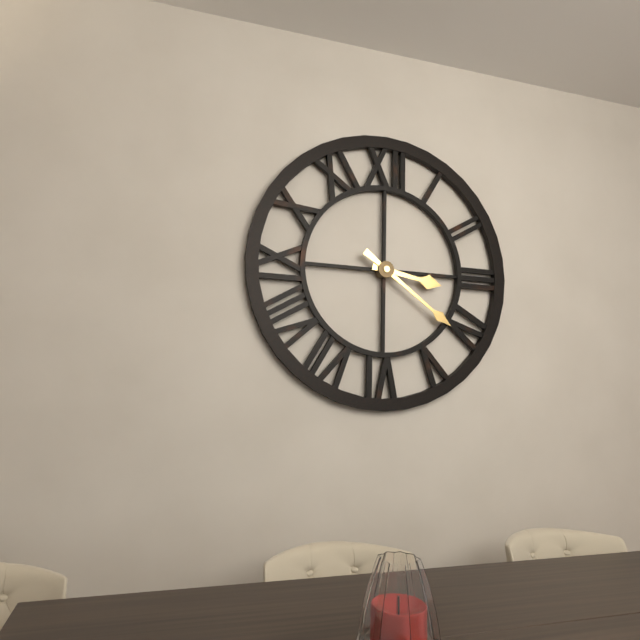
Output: 3.21
